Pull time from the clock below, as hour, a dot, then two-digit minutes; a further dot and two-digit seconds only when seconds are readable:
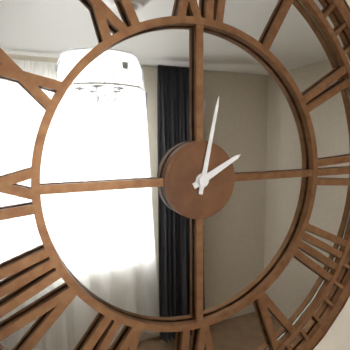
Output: 2.02
